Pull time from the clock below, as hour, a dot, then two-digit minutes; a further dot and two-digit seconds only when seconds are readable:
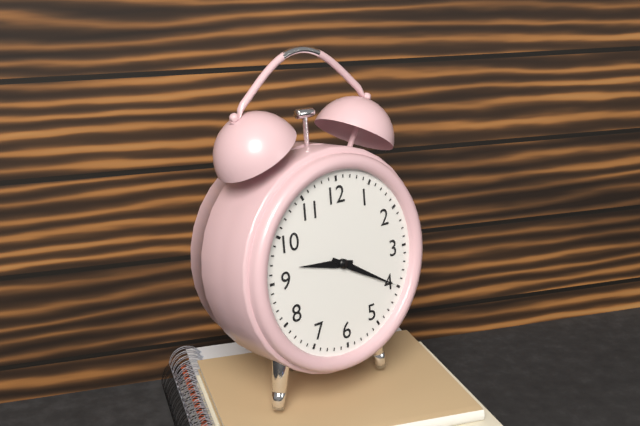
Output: 9.20
